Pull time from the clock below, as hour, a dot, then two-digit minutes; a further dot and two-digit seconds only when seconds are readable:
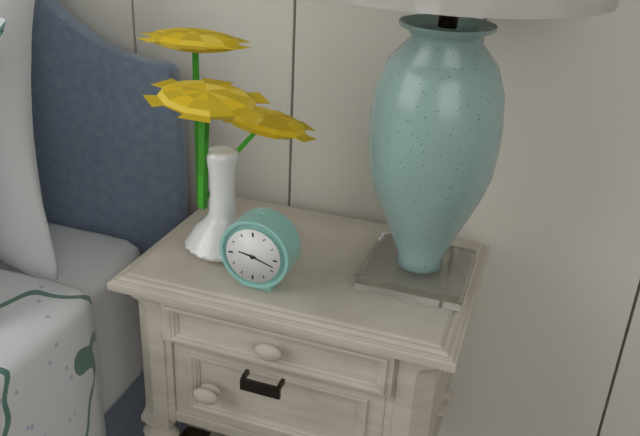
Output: 9.18
